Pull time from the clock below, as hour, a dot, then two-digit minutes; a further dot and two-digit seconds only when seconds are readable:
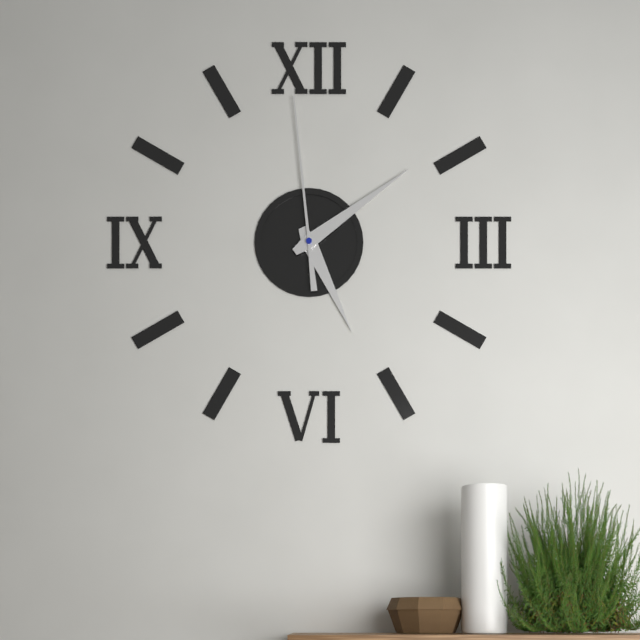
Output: 5.09.59
